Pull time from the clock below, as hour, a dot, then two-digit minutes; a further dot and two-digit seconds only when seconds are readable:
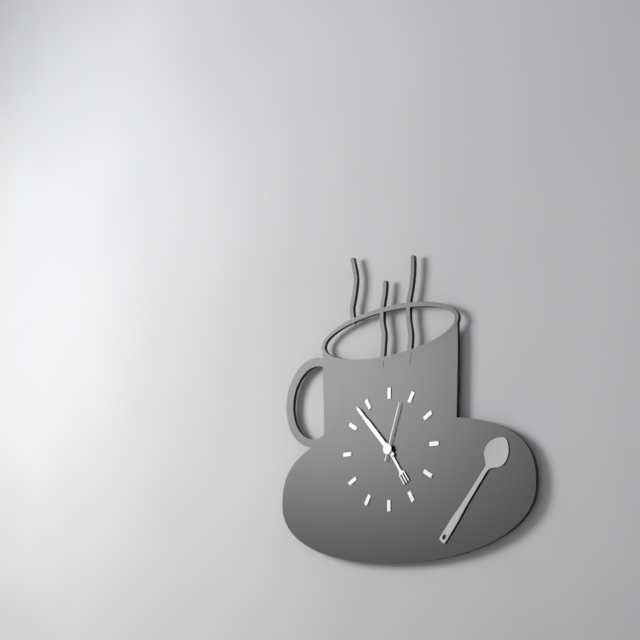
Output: 4.53.03
